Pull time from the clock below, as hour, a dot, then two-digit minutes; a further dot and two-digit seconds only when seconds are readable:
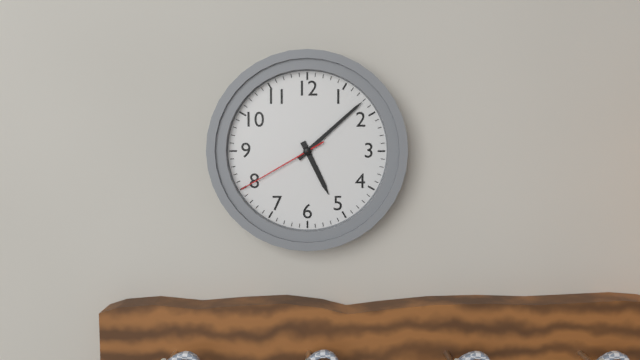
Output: 5.08.40
